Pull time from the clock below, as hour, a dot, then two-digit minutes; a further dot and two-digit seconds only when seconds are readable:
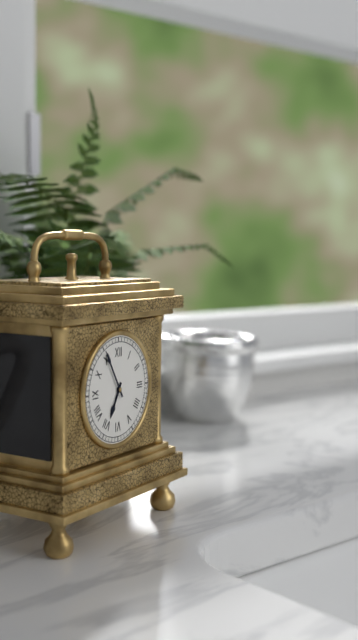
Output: 6.55
